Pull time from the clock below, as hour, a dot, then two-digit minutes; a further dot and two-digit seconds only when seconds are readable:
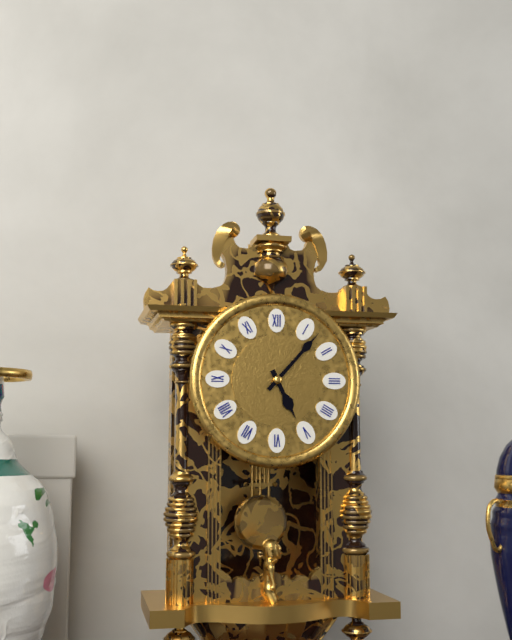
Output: 5.07
